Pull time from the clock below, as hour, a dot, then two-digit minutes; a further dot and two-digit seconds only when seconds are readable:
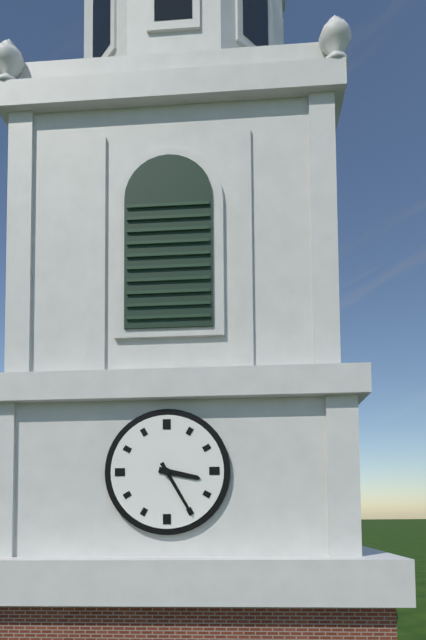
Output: 3.25
